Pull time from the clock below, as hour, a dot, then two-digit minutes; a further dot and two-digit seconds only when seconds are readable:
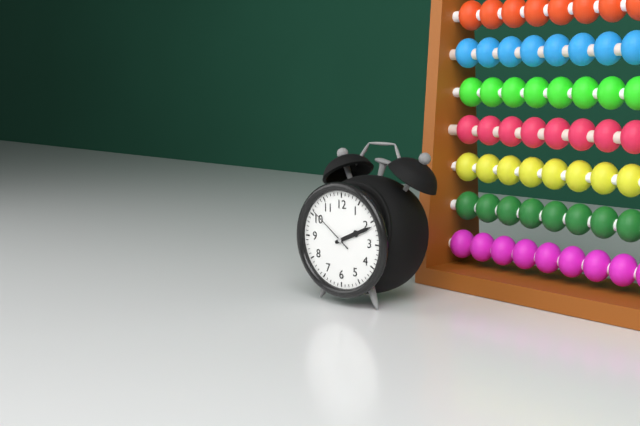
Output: 2.11.51
